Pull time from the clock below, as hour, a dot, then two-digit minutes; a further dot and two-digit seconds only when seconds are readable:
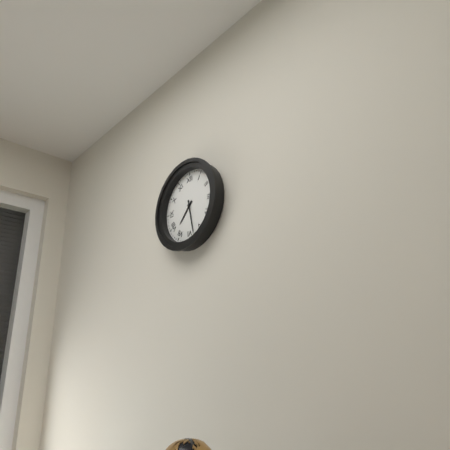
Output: 7.28
